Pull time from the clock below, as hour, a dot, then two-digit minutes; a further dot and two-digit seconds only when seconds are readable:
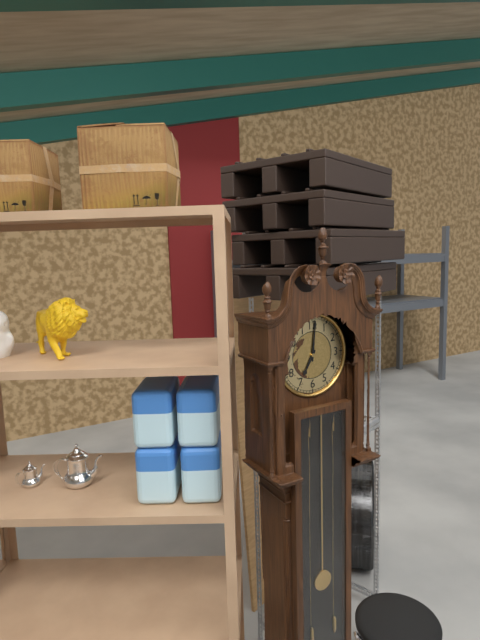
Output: 7.01
